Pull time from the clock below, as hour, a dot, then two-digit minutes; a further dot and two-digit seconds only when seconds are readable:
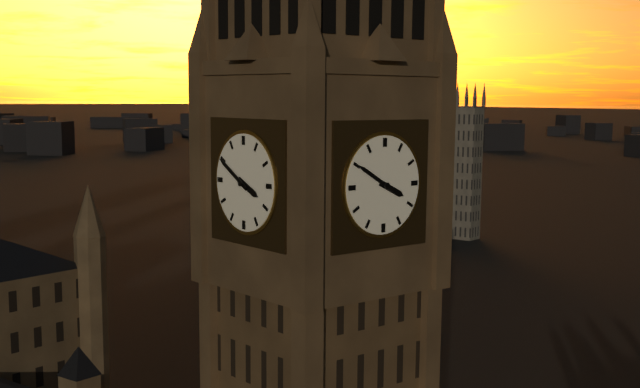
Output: 3.50
